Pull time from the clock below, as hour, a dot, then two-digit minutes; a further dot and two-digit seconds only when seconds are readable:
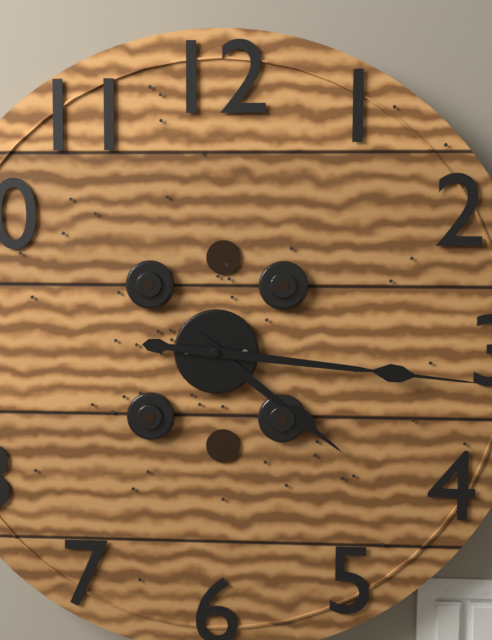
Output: 4.16
